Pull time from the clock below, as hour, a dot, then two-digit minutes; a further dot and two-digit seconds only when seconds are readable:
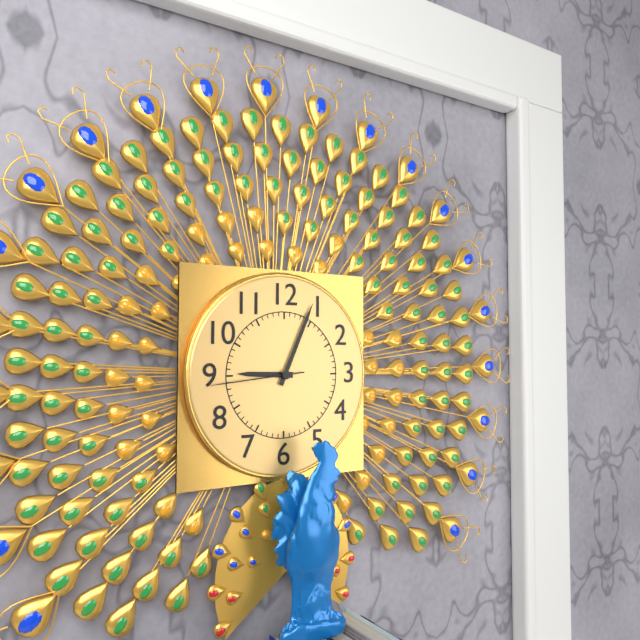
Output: 9.04.44
